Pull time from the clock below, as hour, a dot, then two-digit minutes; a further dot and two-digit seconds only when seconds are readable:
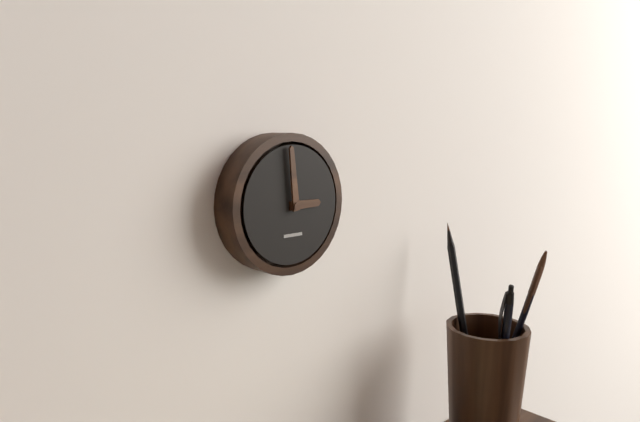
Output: 2.59
